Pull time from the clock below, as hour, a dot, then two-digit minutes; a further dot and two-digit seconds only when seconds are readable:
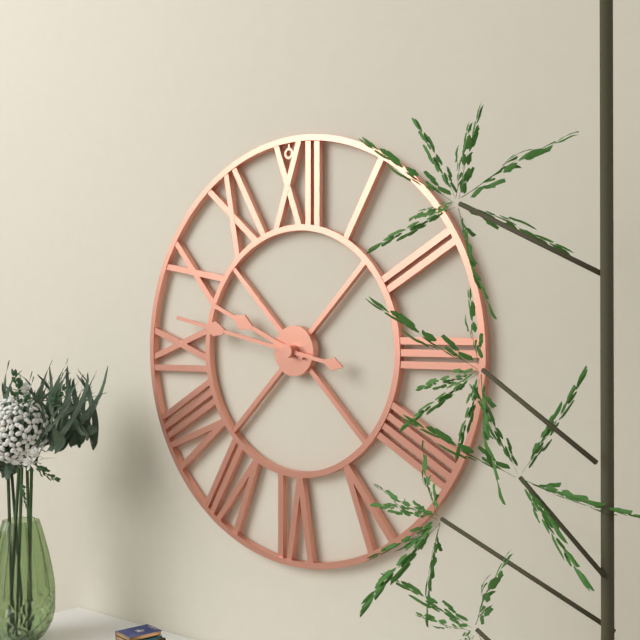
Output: 9.47
